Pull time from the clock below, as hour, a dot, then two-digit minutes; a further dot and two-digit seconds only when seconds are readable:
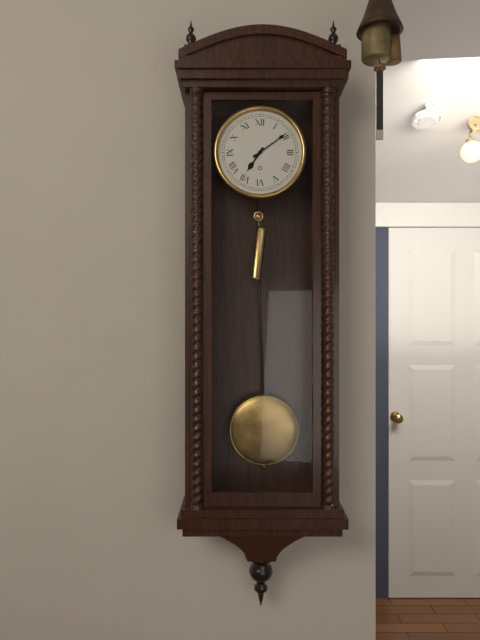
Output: 7.09
